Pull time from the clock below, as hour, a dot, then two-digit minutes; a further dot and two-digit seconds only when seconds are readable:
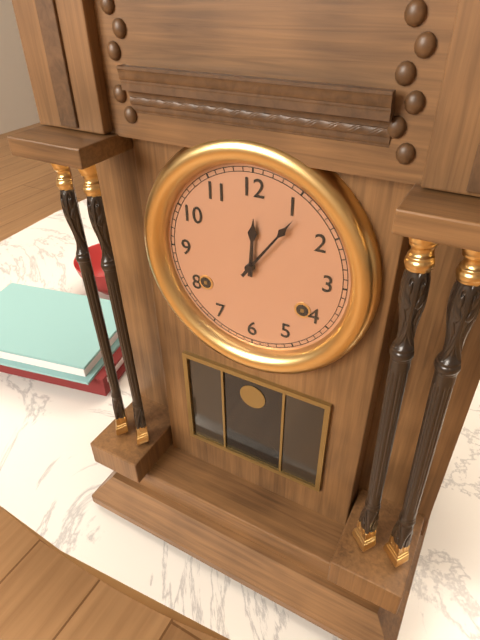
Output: 12.06
